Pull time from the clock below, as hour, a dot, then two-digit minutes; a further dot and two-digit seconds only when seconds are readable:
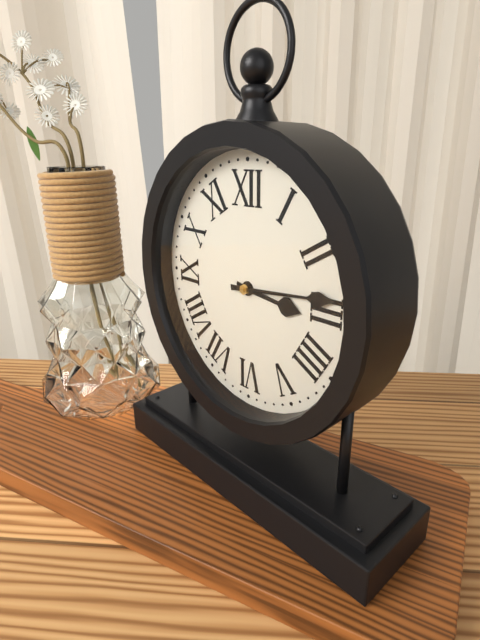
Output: 3.14
